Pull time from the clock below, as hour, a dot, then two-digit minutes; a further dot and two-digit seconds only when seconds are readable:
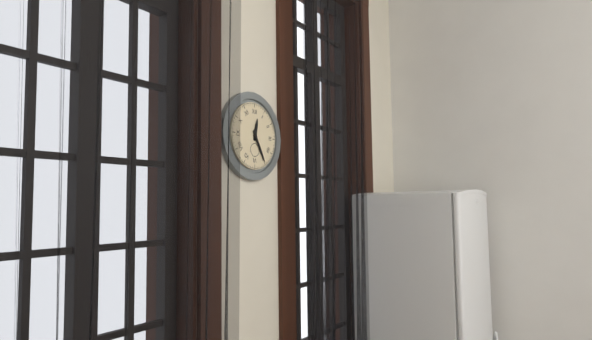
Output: 12.25
